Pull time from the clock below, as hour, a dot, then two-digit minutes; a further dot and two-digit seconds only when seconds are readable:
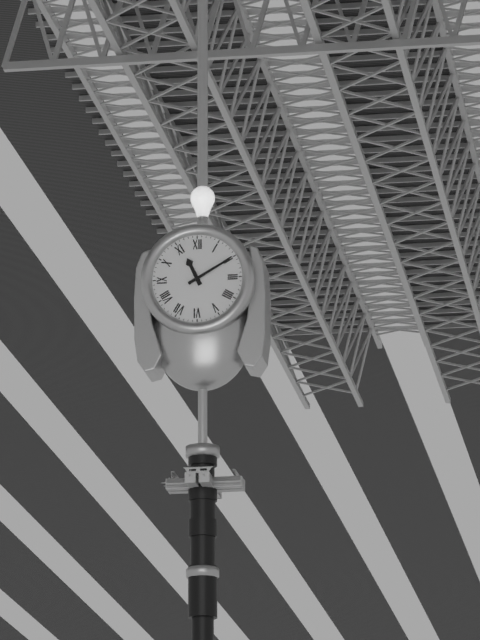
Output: 11.10
